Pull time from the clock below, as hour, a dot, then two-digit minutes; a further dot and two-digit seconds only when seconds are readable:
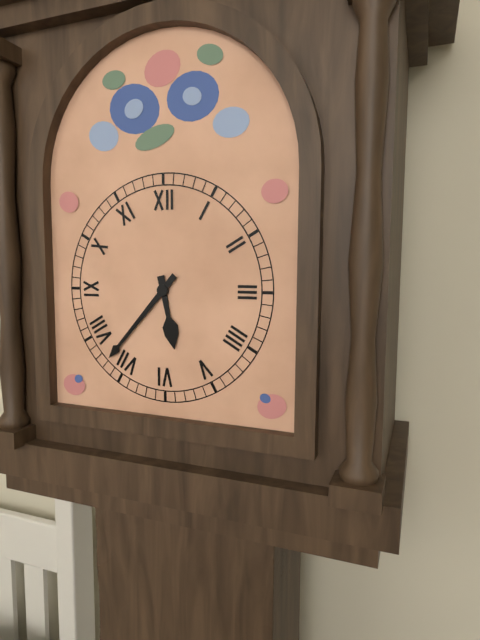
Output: 5.37
